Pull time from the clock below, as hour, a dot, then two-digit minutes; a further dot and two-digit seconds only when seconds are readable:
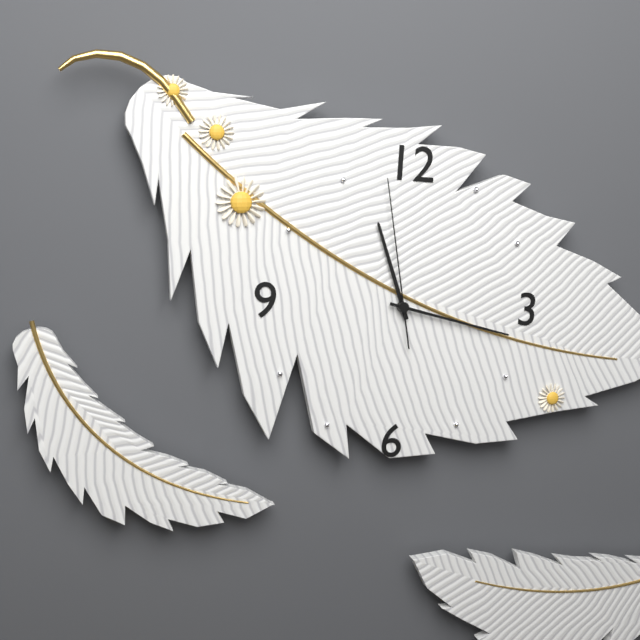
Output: 11.17.58
